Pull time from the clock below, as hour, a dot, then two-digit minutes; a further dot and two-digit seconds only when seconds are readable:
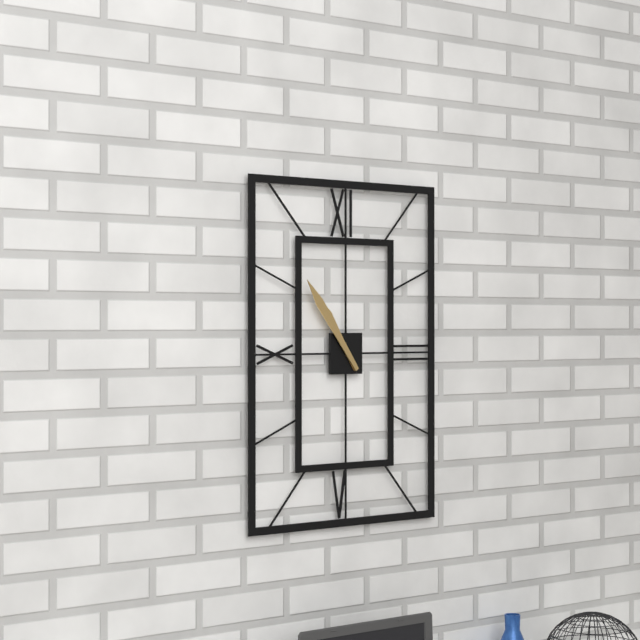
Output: 10.54
